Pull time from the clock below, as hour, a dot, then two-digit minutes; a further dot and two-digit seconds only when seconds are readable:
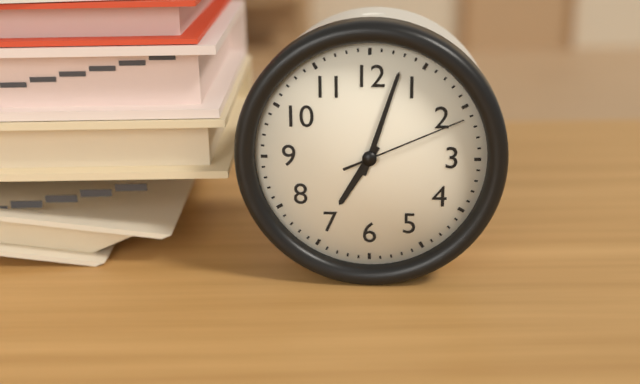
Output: 7.03.11
